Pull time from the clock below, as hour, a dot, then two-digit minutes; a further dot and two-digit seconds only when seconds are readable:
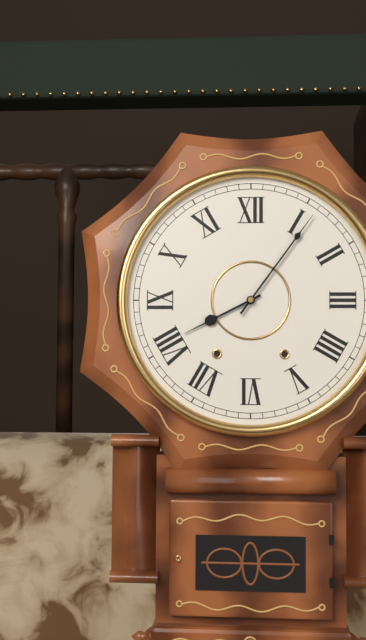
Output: 8.06
